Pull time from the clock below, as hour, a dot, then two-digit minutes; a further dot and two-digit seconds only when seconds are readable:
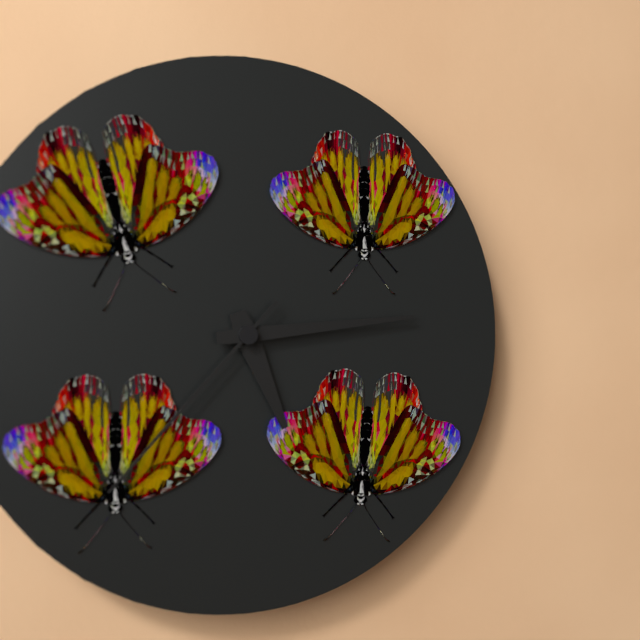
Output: 5.14.37
